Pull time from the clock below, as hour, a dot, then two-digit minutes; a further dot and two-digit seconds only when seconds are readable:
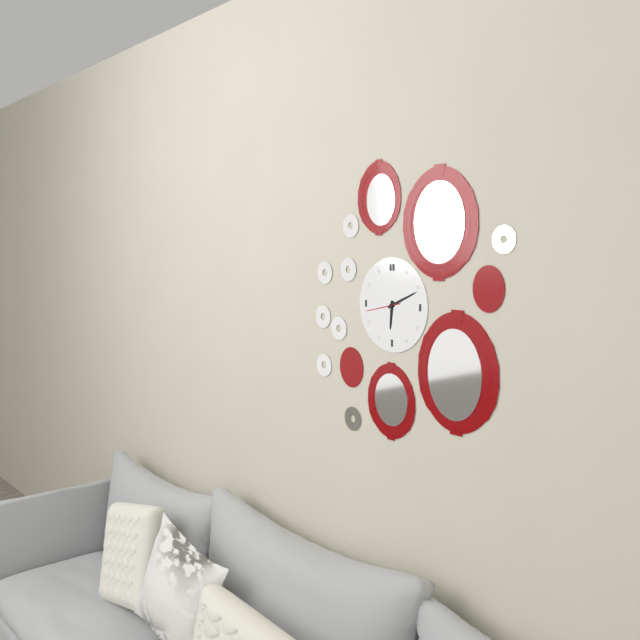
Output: 6.11
